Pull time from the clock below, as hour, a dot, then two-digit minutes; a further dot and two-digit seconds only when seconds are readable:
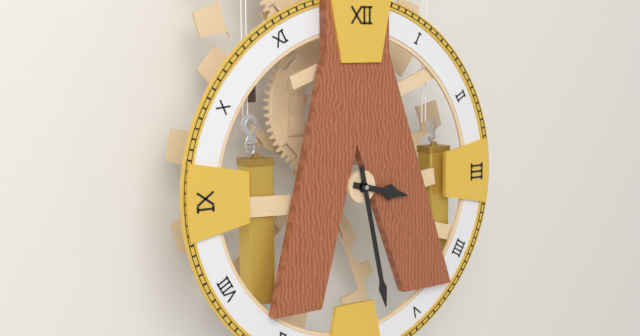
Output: 3.28
